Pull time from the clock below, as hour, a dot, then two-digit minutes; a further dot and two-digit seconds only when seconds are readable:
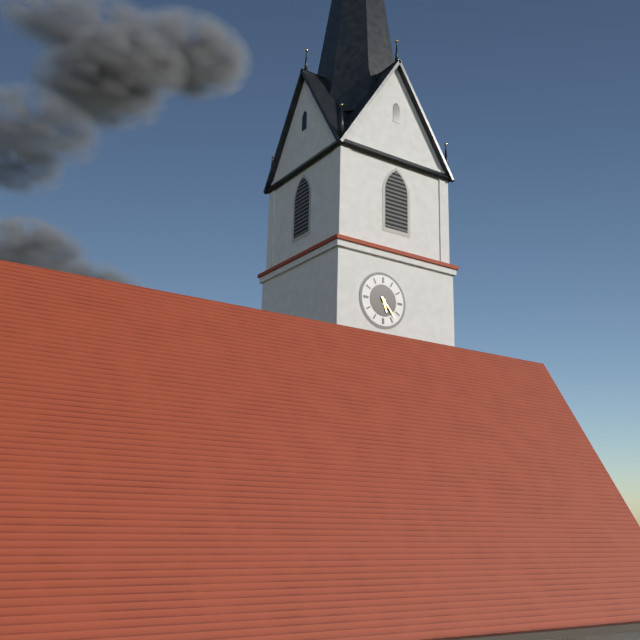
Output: 5.23
